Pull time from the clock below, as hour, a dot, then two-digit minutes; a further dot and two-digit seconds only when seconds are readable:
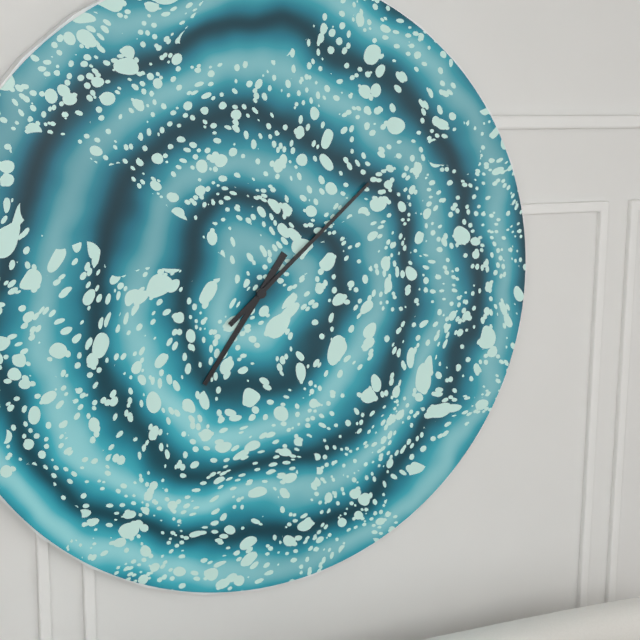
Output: 7.08
